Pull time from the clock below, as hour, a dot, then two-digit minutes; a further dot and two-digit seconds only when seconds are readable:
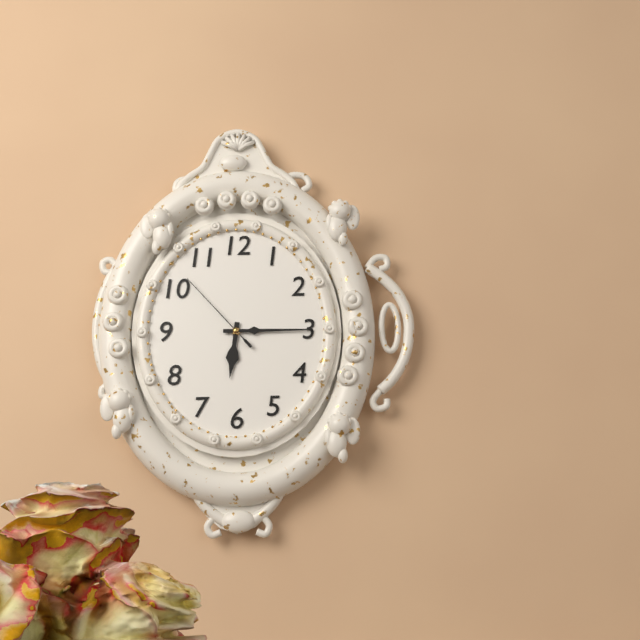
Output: 6.15.53
